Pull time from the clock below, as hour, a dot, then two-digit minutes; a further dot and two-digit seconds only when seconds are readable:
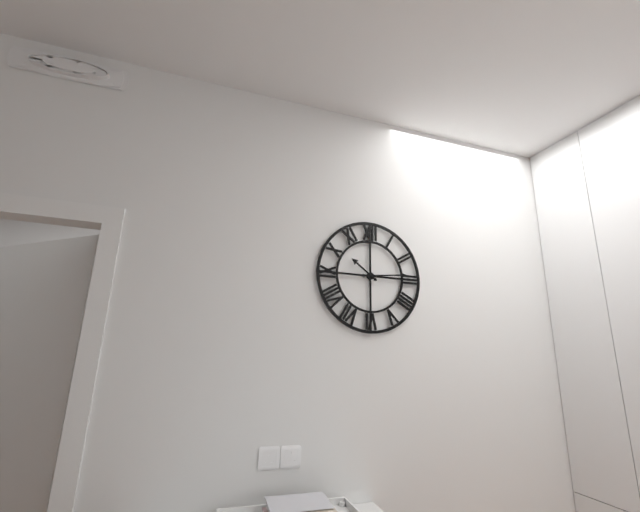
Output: 10.14
